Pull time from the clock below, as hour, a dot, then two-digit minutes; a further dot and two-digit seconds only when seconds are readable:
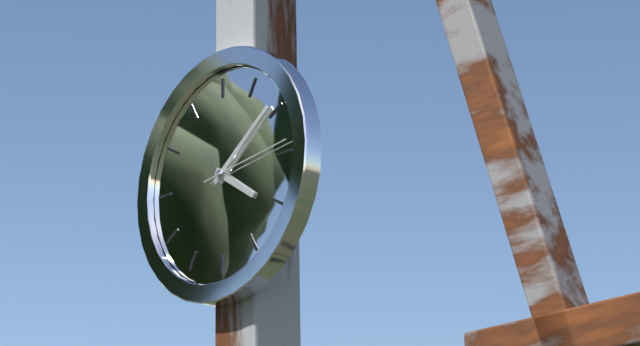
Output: 4.09.14
